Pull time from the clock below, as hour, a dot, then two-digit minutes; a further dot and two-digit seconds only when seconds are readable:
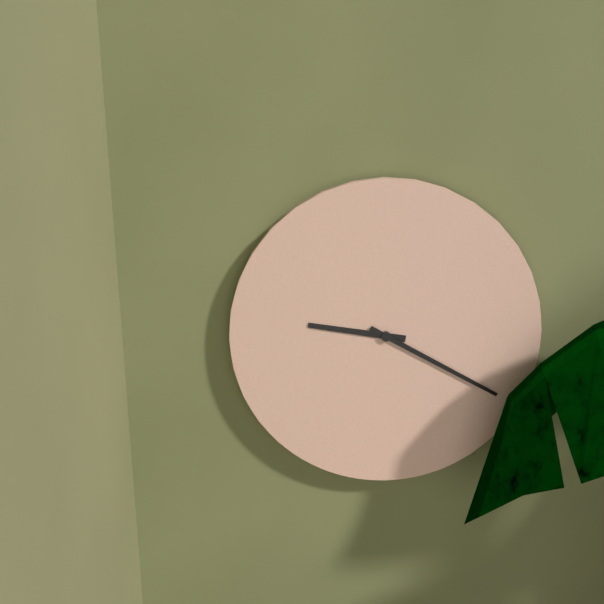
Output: 9.20
